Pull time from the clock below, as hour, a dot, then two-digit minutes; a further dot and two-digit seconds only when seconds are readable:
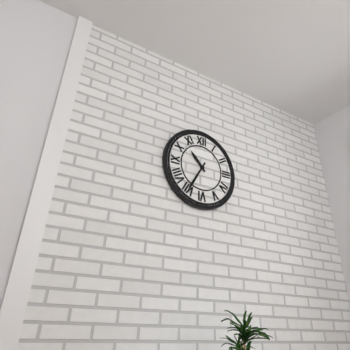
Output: 10.35
